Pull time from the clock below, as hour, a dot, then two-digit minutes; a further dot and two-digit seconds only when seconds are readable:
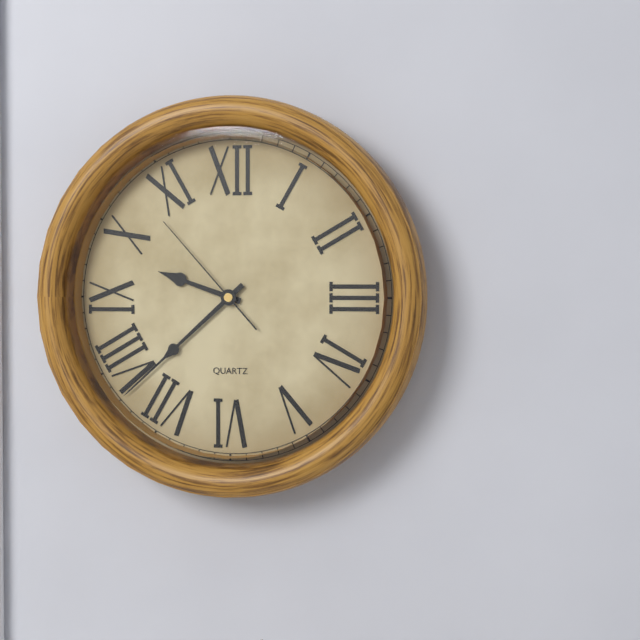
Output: 9.38.53
